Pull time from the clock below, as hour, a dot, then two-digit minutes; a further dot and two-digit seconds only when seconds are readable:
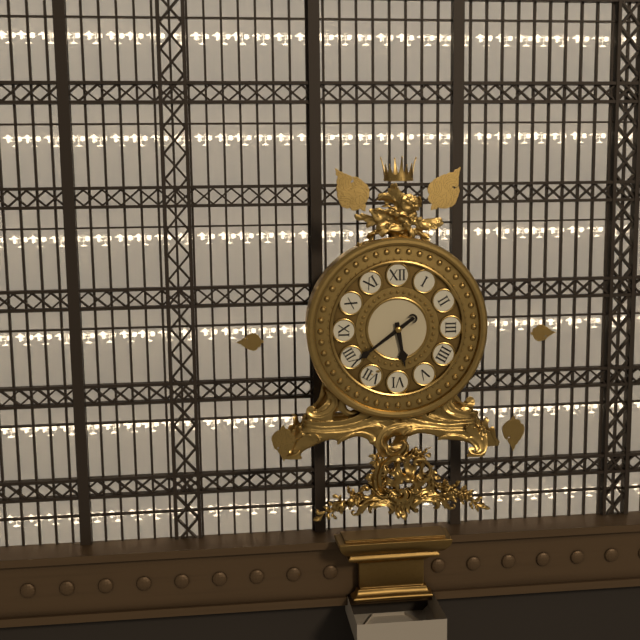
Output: 5.39
